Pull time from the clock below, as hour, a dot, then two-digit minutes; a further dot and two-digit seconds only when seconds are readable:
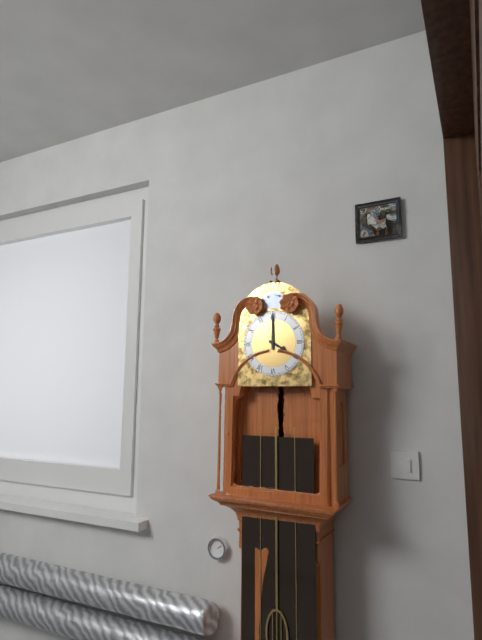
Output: 4.00
